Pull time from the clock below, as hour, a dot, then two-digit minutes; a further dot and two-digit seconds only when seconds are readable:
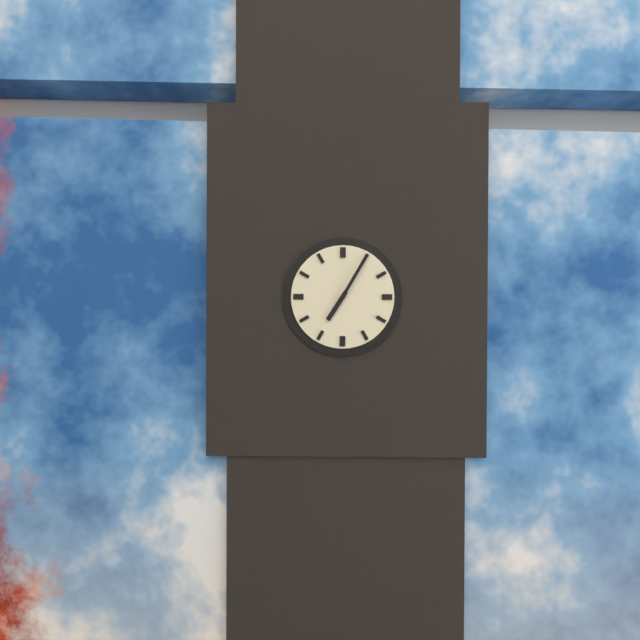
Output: 7.05
